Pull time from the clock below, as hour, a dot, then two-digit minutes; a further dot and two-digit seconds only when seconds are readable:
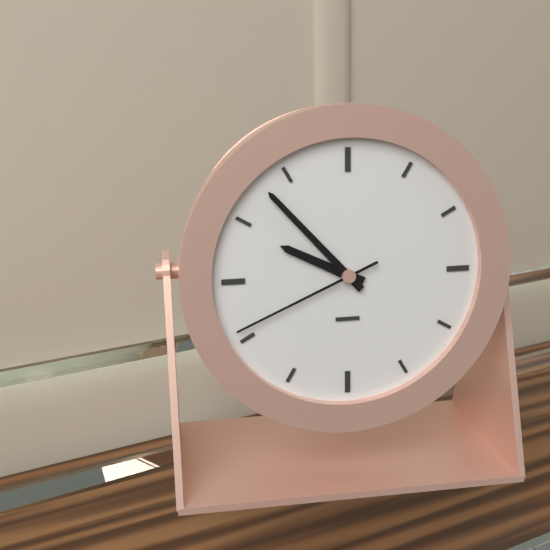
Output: 9.53.41
